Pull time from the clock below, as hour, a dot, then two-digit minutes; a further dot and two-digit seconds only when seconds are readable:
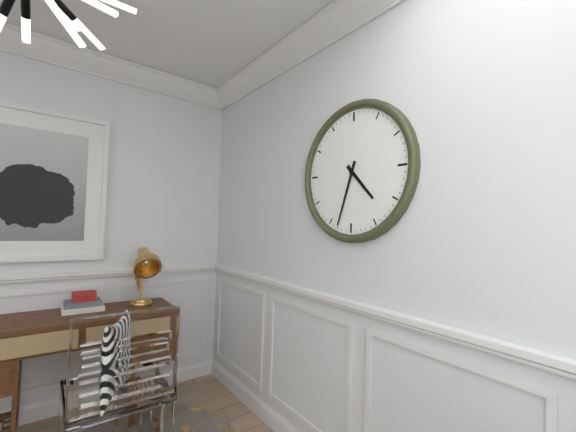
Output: 4.33
